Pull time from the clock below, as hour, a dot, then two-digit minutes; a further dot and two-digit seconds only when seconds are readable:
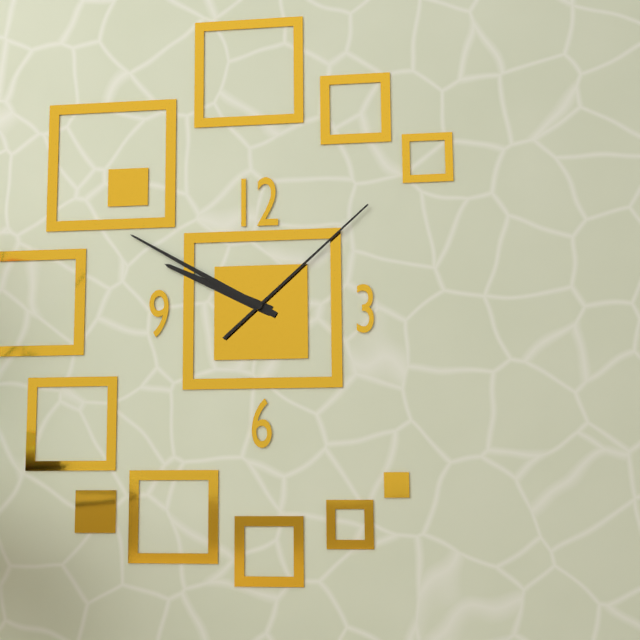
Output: 9.50.08
